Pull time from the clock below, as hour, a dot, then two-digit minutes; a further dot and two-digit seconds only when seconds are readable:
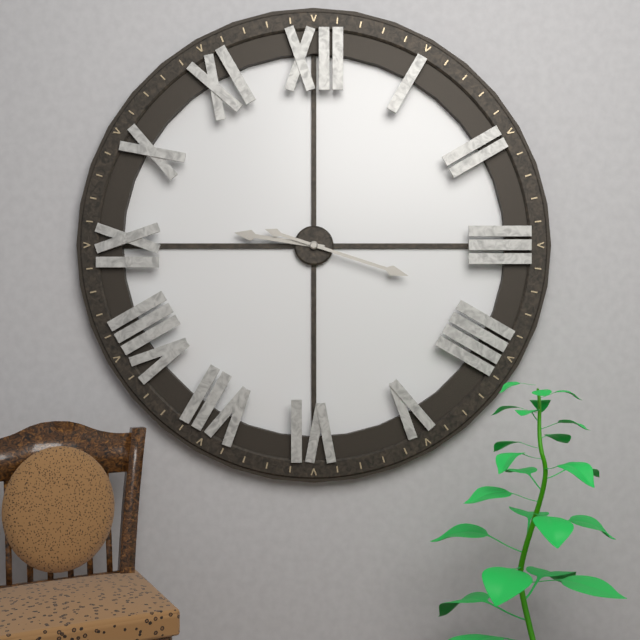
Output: 9.18
